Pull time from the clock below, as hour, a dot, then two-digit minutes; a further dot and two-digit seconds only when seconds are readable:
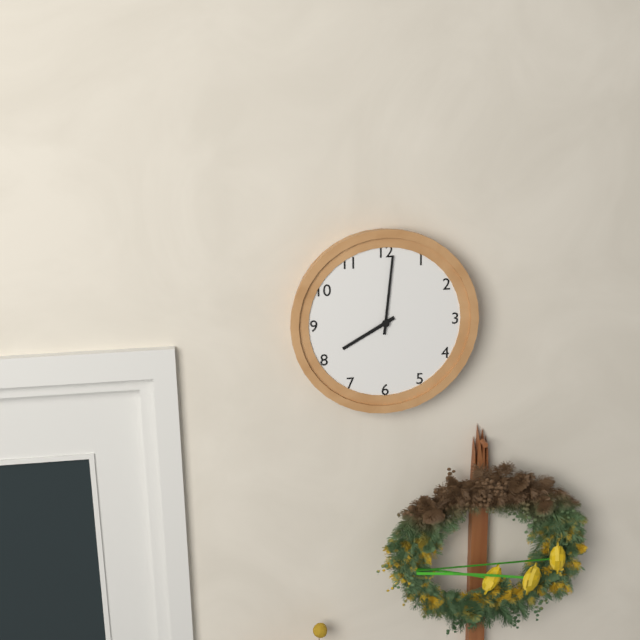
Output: 8.01
